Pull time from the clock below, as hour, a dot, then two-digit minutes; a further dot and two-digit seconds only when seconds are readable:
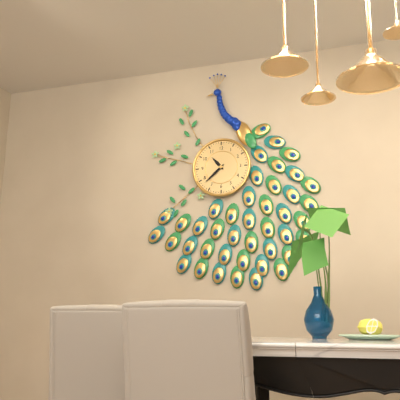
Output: 10.38
